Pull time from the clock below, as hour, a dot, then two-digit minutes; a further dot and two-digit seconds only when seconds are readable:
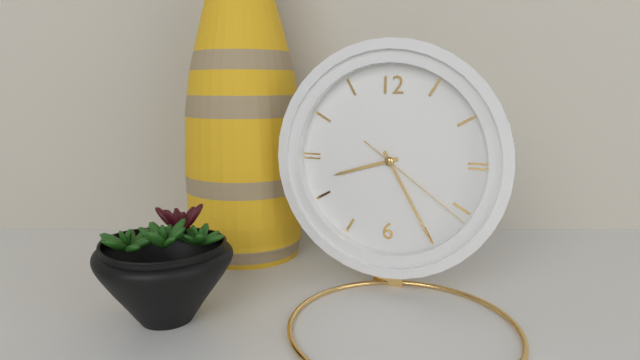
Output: 8.25.21
